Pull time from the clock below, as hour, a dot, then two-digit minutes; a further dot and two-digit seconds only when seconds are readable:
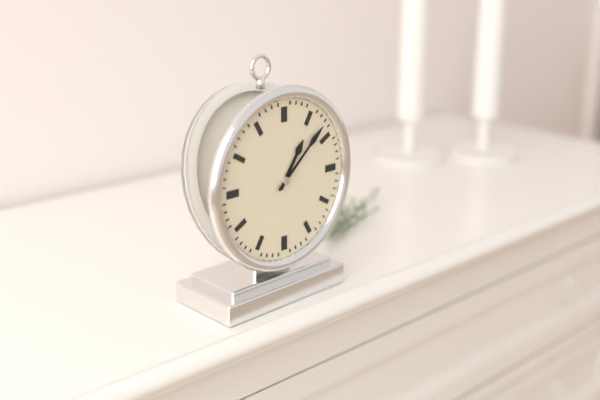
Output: 1.08
